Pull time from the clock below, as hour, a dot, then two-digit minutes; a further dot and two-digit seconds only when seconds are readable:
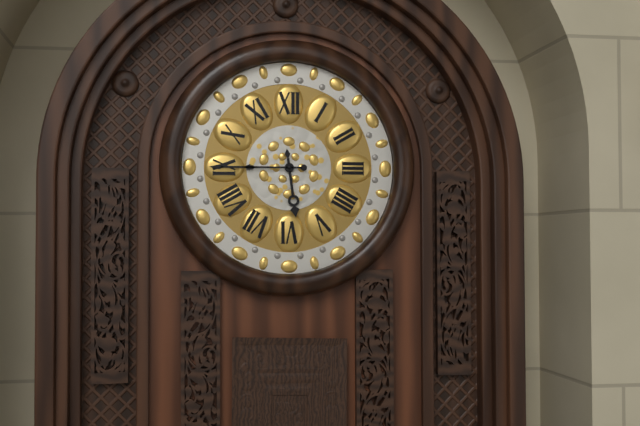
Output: 5.45
